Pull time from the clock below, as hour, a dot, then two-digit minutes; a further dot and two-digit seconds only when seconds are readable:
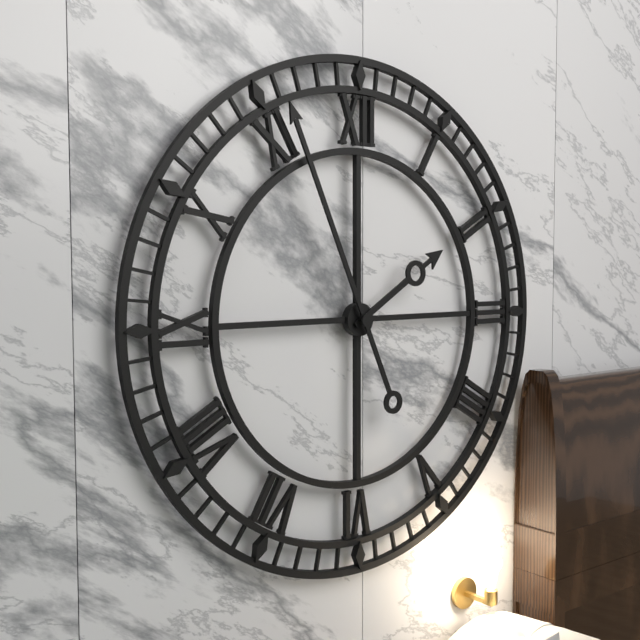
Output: 1.56
